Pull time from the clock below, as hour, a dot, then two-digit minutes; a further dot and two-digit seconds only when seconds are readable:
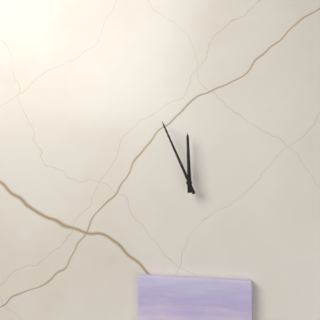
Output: 11.56
